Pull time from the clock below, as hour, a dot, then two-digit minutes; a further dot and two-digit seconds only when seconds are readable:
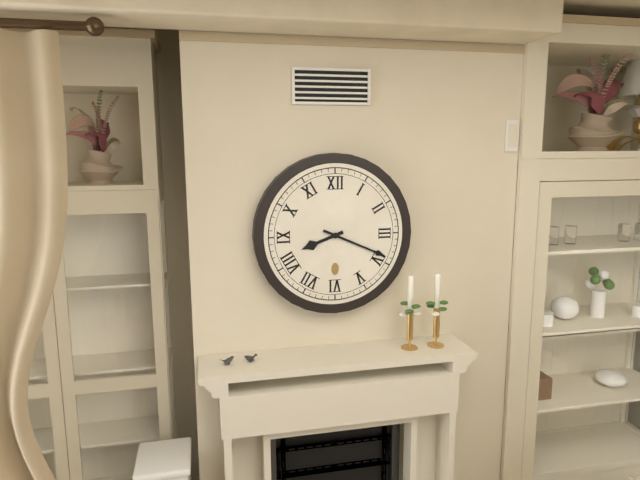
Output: 8.19
